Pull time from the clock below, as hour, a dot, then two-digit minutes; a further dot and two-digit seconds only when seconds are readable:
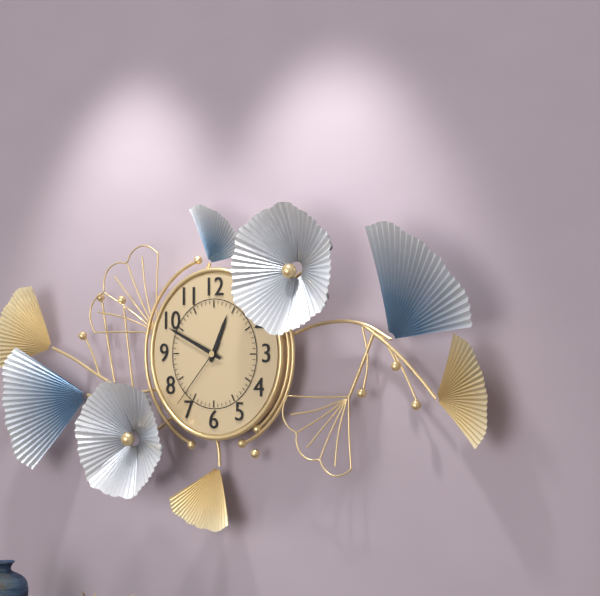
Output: 12.49.37
